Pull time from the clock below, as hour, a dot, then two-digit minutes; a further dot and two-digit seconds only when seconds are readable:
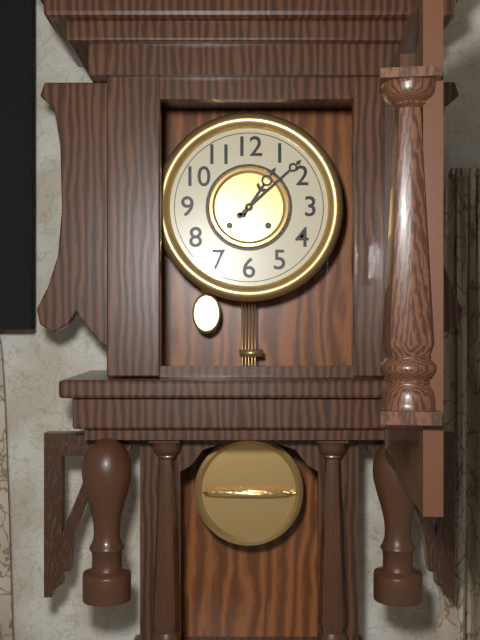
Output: 1.08
